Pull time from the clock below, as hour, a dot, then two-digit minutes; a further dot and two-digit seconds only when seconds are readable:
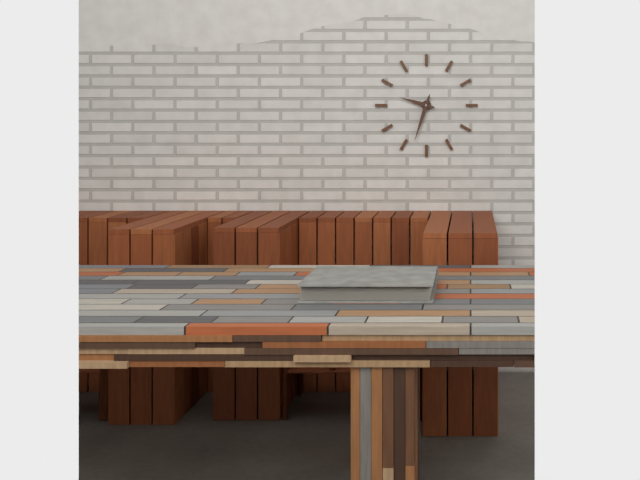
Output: 9.33
